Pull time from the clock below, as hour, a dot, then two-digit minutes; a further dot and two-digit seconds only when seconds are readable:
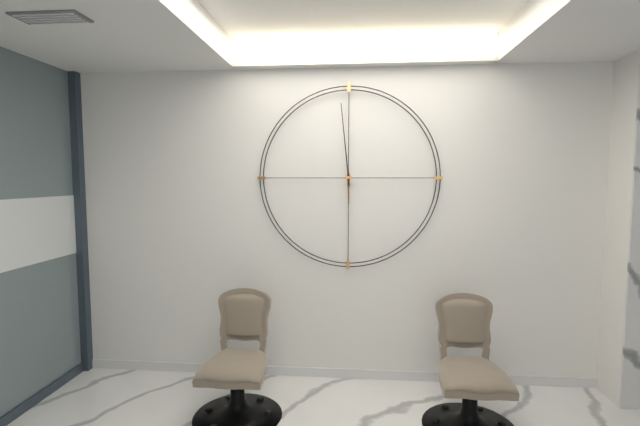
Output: 5.59
